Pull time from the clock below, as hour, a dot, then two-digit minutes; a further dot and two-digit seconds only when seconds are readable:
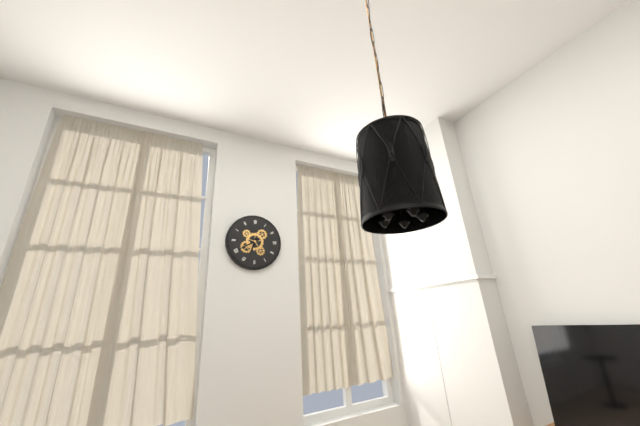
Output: 6.40
